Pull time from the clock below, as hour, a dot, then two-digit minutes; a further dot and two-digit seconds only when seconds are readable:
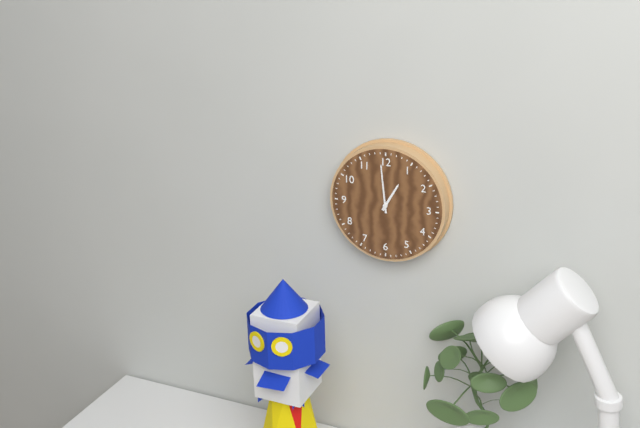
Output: 12.59
